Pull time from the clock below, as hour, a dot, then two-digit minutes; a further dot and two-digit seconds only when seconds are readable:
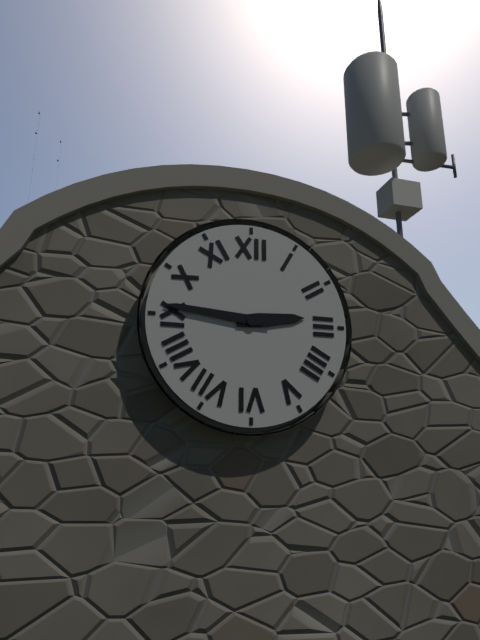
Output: 2.46
